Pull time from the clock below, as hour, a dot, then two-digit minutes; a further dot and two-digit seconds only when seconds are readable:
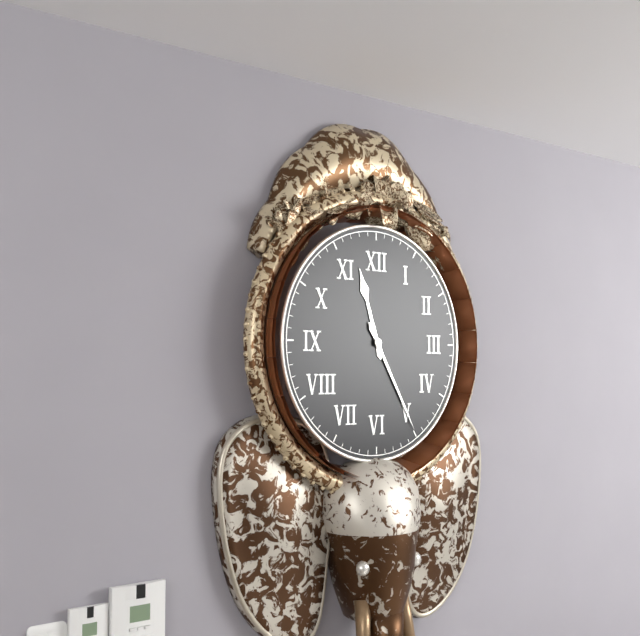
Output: 11.25
